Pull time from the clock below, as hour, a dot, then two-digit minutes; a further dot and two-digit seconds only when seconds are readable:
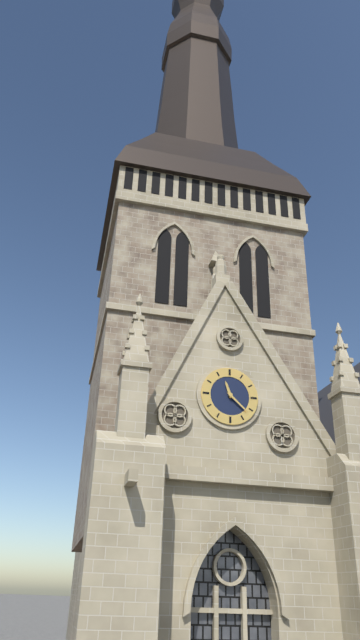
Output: 11.22
